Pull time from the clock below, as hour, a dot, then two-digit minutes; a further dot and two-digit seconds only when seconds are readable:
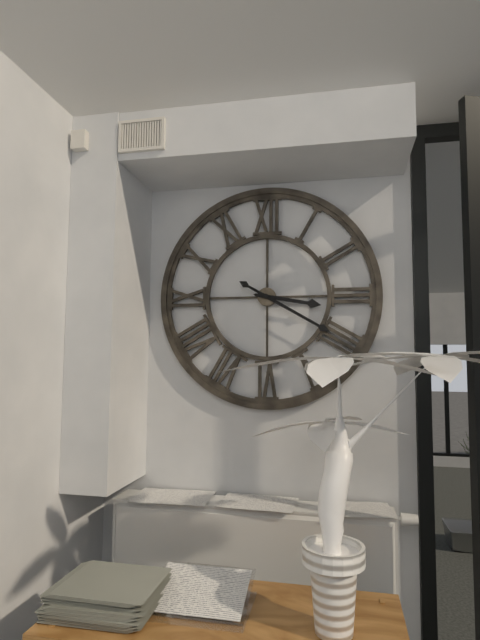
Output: 3.20
